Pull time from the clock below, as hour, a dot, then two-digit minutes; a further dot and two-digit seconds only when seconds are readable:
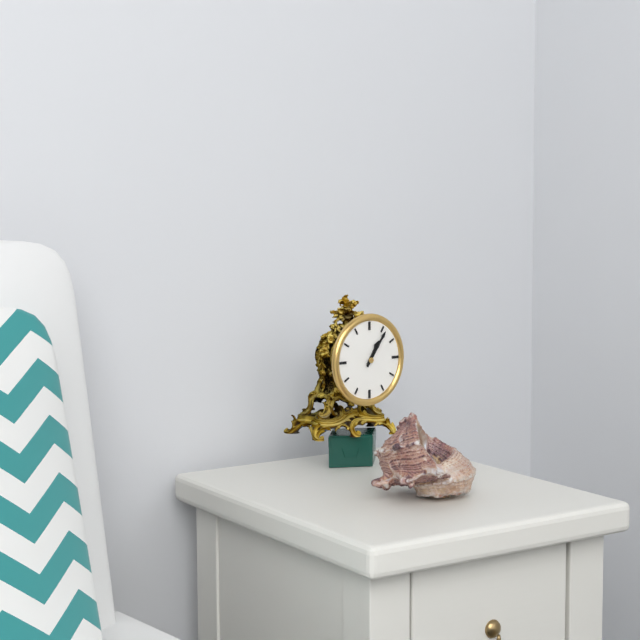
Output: 1.06
